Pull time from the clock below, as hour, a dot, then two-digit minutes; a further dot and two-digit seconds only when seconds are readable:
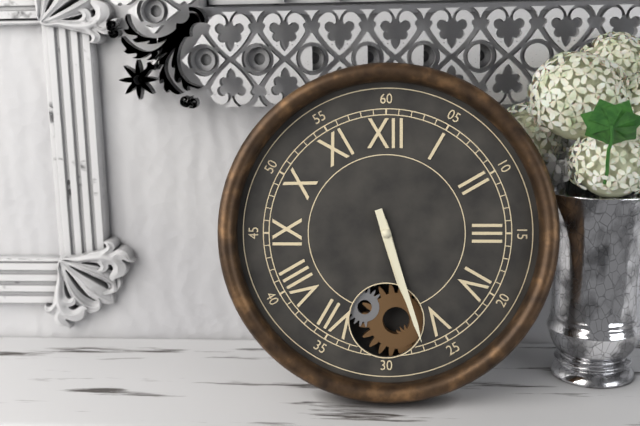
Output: 5.27
